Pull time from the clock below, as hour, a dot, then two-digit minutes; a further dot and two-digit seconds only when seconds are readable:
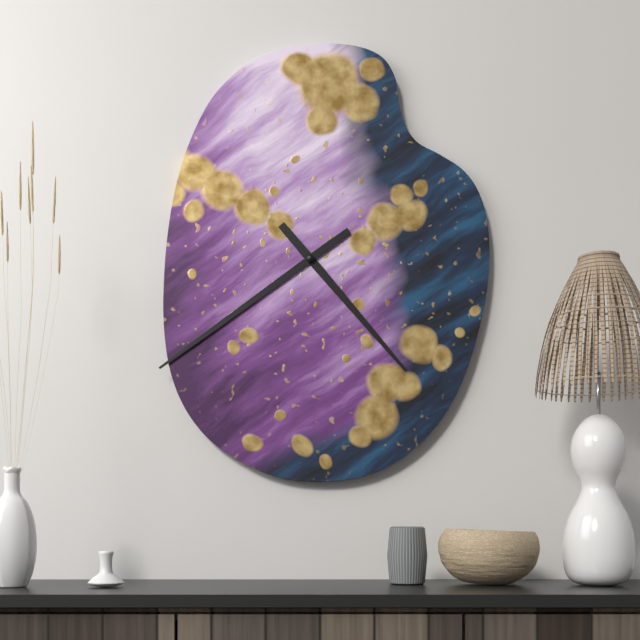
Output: 4.39
